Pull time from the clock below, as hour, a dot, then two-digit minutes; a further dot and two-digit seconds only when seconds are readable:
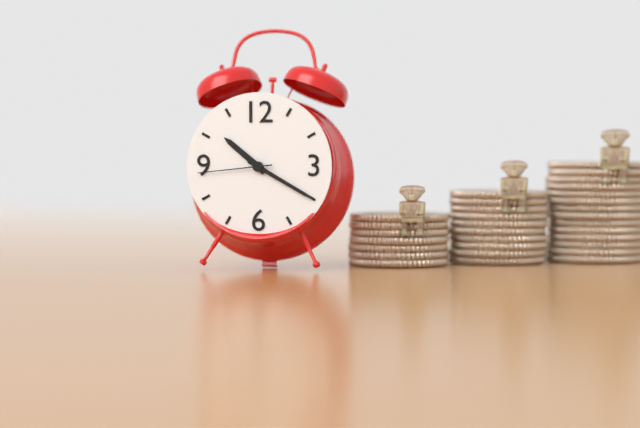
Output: 10.20.44
